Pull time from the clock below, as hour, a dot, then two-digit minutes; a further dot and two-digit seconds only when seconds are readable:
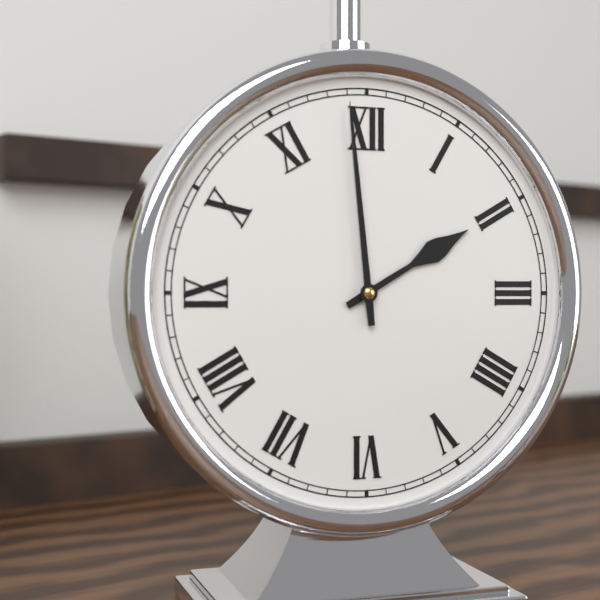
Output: 1.59
